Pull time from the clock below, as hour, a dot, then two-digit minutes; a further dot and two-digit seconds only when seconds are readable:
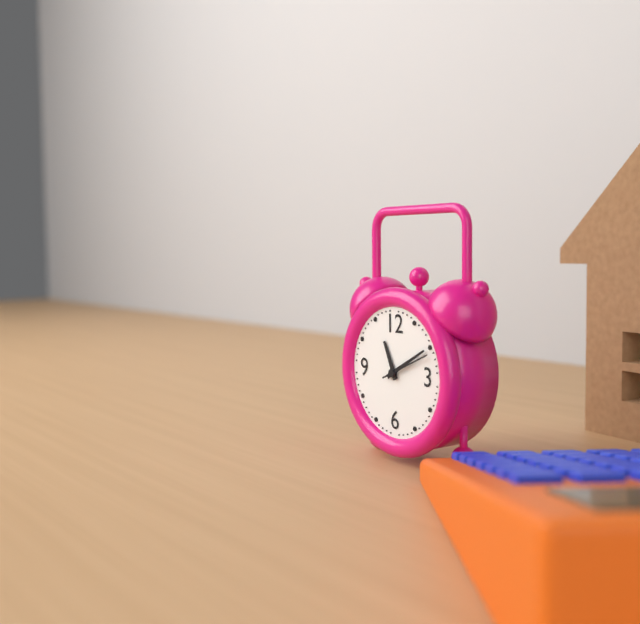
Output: 11.10
